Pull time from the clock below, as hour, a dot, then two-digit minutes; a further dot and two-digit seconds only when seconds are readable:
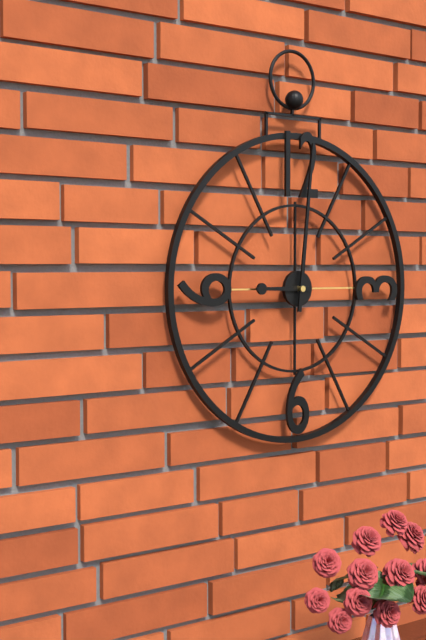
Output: 9.01
